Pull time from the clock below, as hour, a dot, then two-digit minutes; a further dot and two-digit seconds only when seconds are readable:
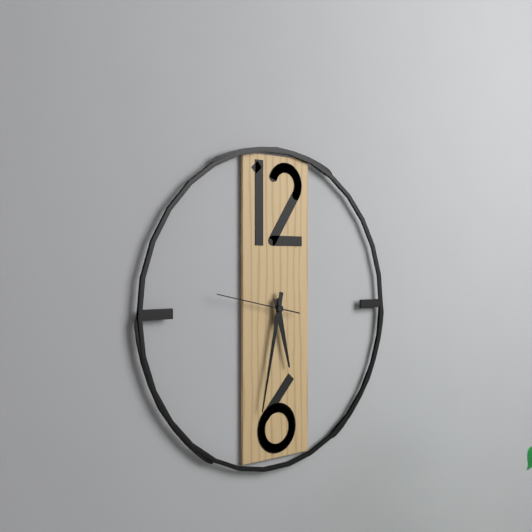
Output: 5.32.47
